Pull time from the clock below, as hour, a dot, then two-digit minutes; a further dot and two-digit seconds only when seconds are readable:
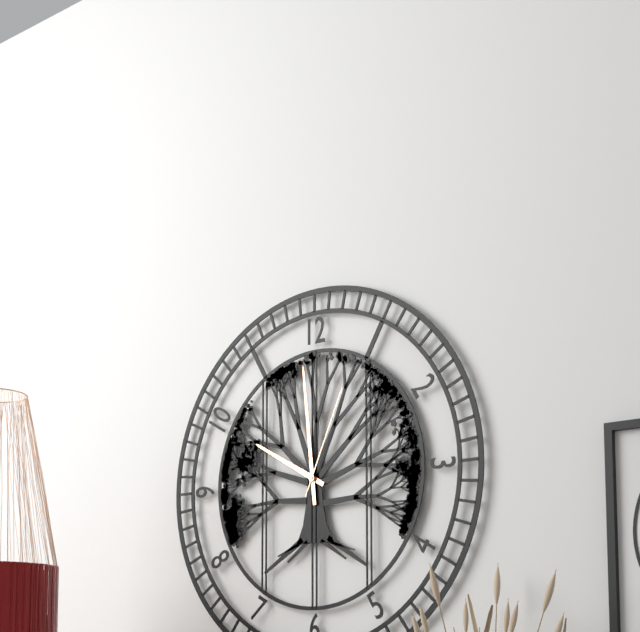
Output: 9.59.04
